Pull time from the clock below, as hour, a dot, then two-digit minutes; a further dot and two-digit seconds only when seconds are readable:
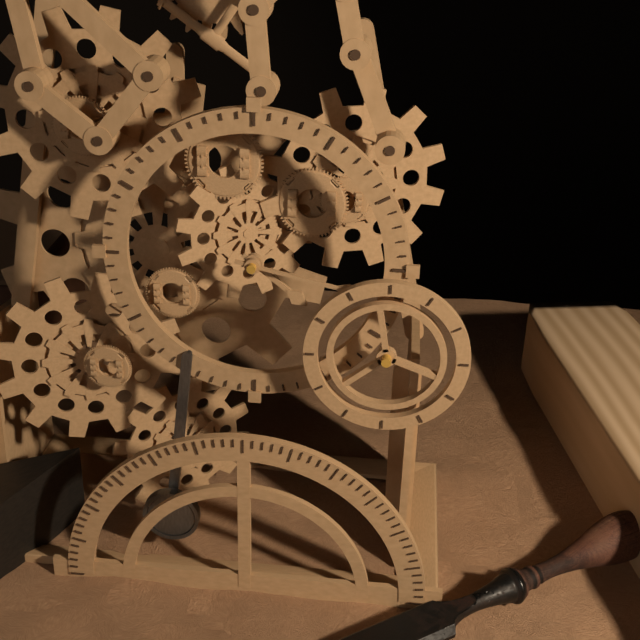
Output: 4.17
